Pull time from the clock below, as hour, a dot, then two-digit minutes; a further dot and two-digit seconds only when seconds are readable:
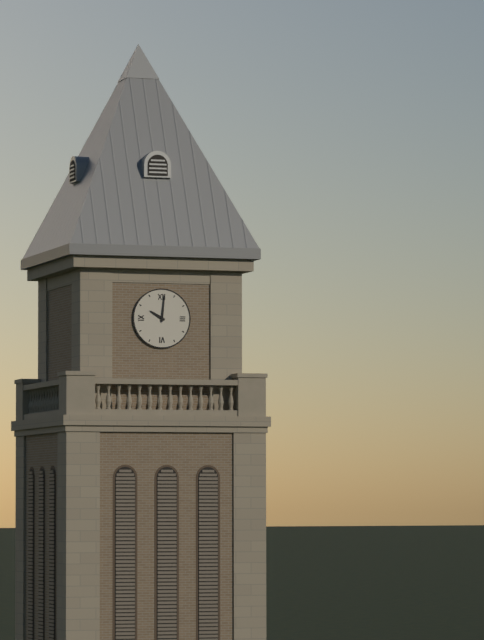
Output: 10.01
